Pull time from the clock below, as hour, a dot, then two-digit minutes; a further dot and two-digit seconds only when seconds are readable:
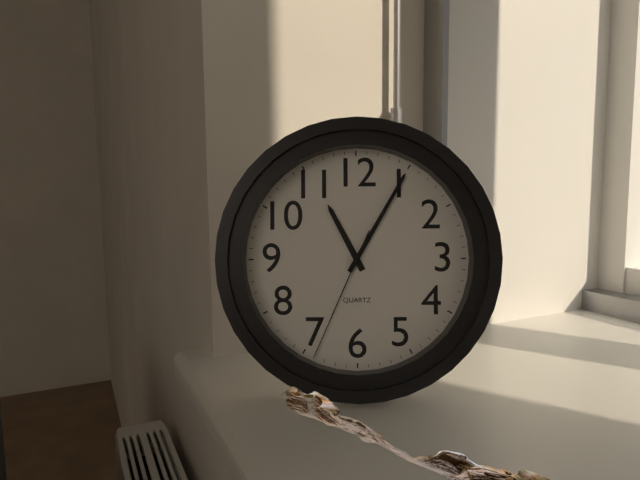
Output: 11.05.34
